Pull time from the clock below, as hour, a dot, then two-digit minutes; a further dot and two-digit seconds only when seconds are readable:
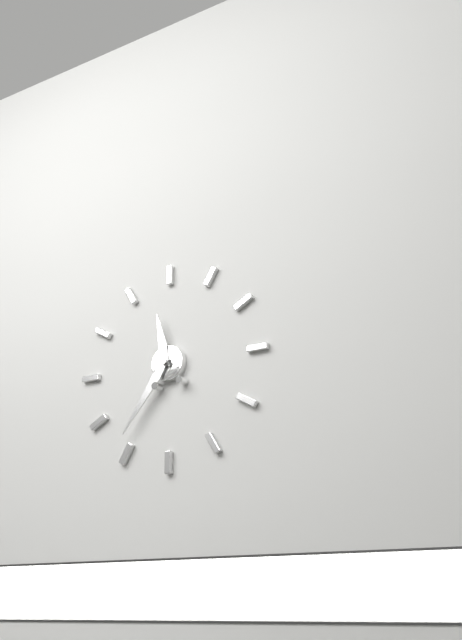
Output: 11.36
